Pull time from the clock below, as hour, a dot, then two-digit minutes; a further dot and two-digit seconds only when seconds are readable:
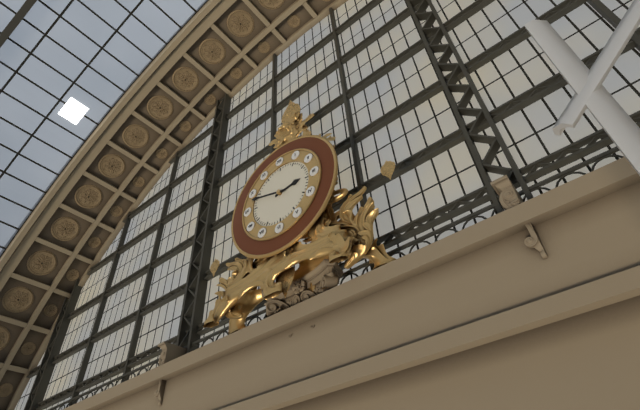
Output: 2.48
